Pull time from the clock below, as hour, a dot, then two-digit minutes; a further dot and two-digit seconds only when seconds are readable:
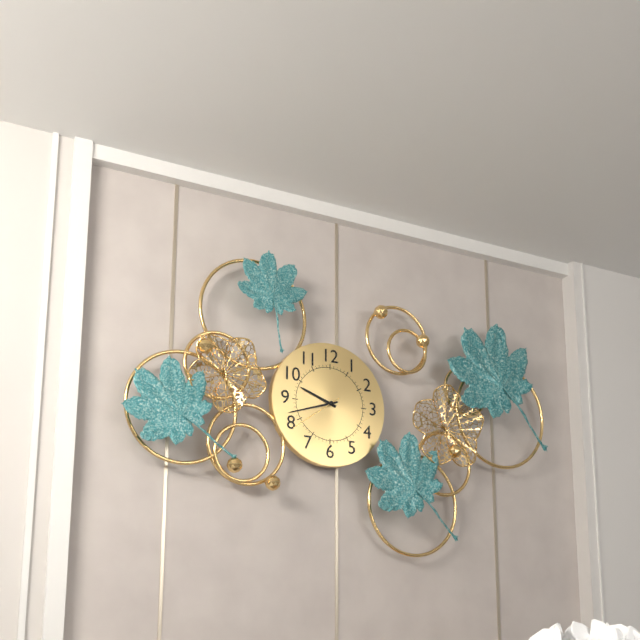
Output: 9.42.39
